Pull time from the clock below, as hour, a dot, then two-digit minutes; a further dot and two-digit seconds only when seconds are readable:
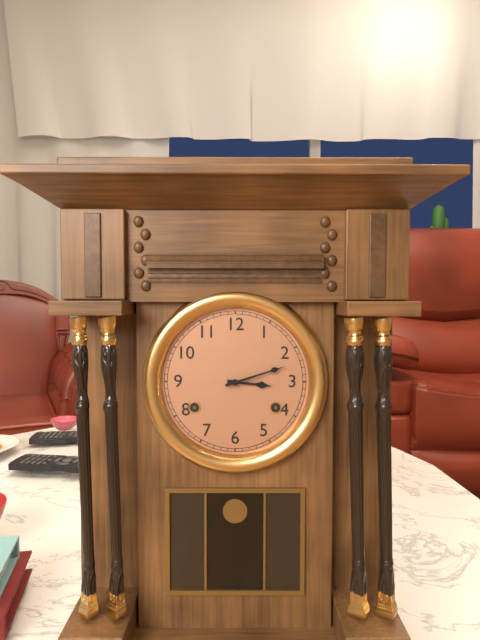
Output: 3.12
